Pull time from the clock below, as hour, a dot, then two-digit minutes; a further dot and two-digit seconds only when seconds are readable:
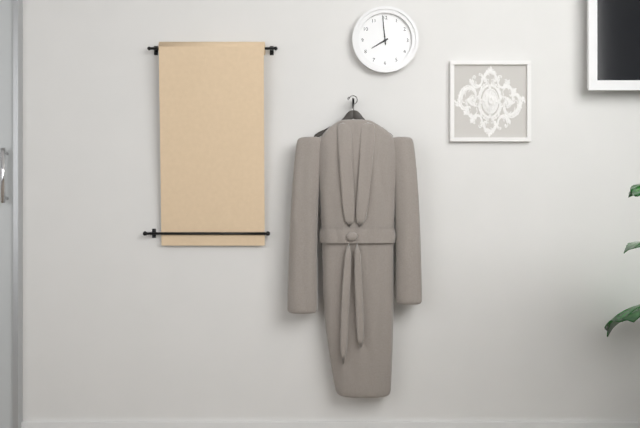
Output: 7.59
